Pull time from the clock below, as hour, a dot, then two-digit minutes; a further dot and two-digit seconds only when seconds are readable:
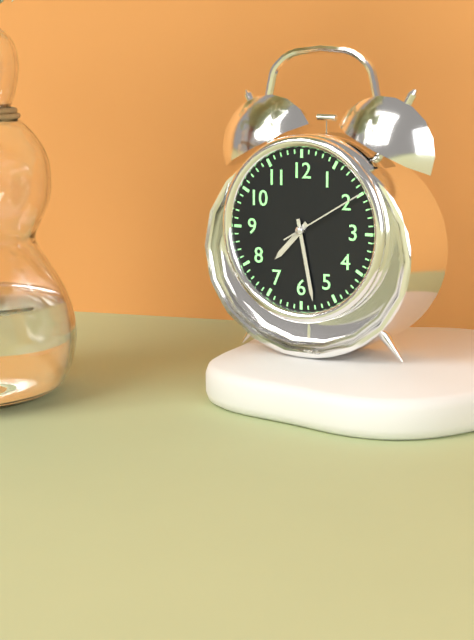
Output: 7.28.10
